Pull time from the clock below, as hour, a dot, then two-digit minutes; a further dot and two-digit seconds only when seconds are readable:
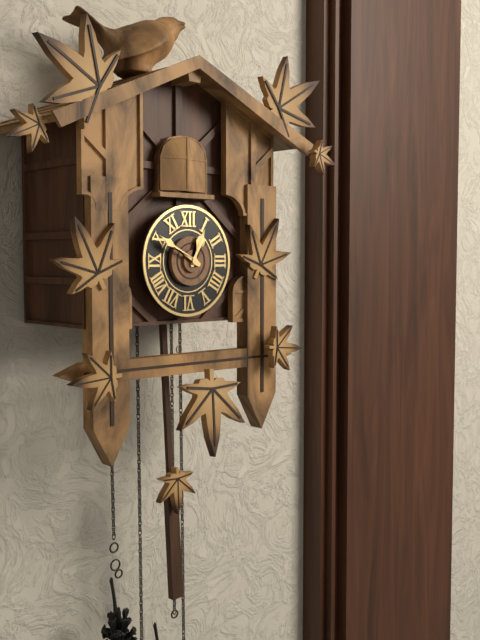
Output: 12.50
